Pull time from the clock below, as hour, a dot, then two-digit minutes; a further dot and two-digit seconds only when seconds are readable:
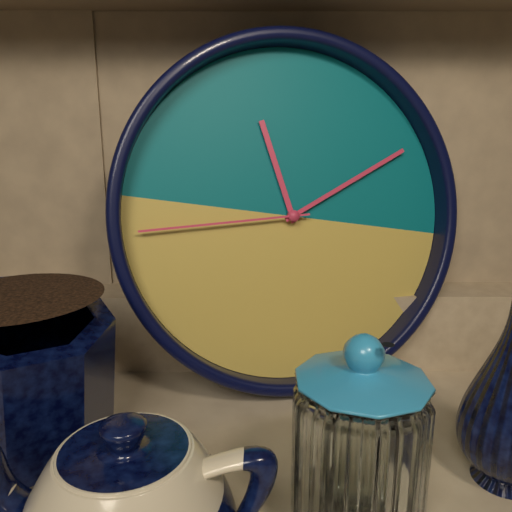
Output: 11.09.43
